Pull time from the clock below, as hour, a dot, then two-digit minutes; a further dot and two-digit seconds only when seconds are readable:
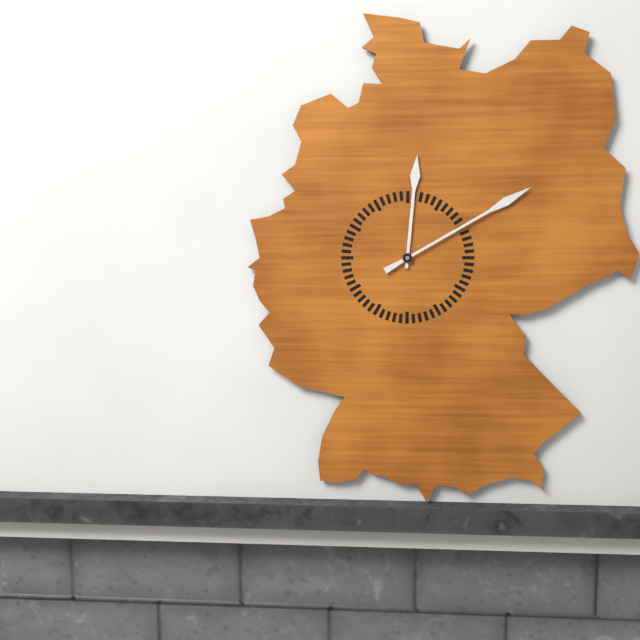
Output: 12.10
